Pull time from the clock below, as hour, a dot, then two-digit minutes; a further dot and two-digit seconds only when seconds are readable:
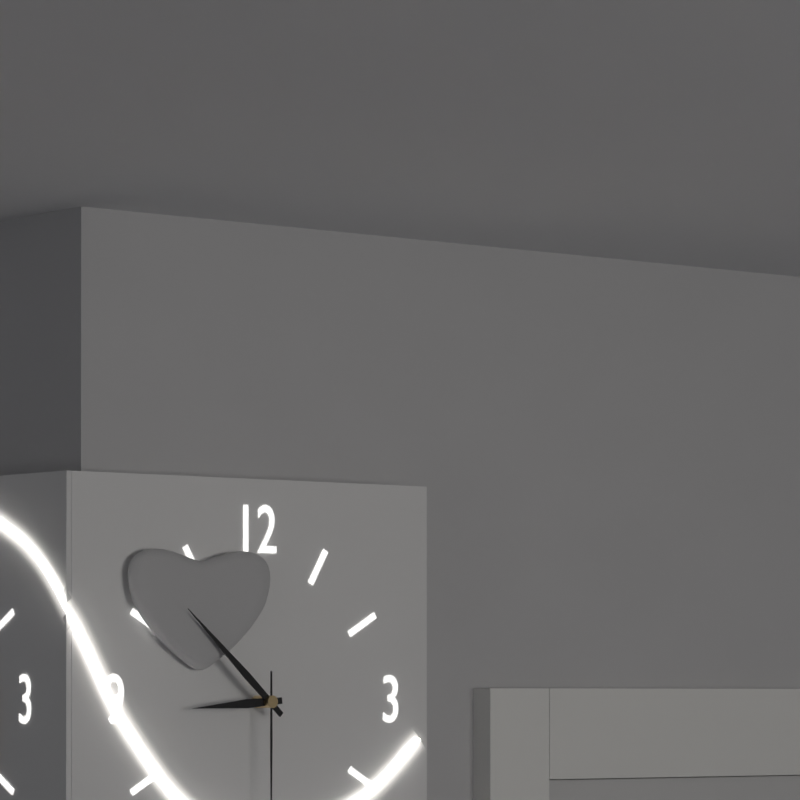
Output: 8.52
